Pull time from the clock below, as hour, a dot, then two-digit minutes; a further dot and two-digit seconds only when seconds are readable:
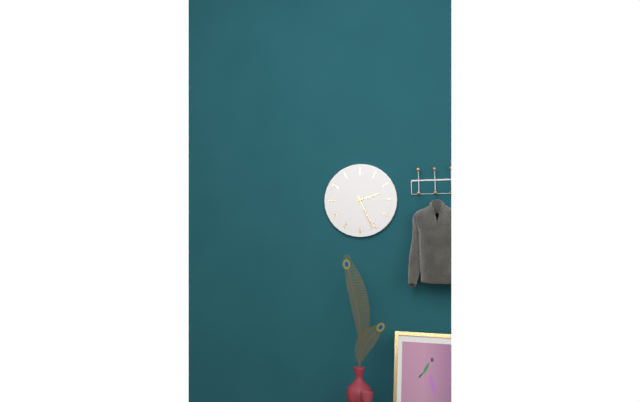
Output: 2.26
